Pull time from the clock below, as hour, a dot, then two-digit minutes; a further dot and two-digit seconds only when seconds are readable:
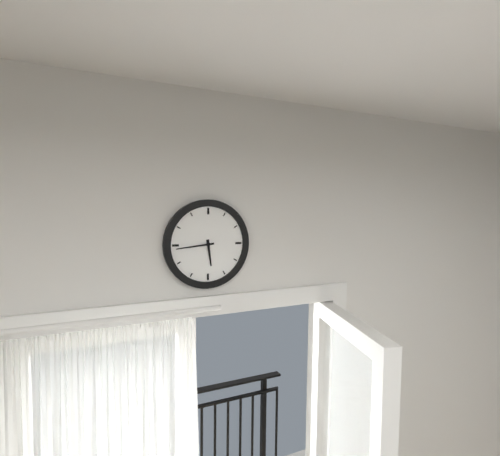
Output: 5.44
